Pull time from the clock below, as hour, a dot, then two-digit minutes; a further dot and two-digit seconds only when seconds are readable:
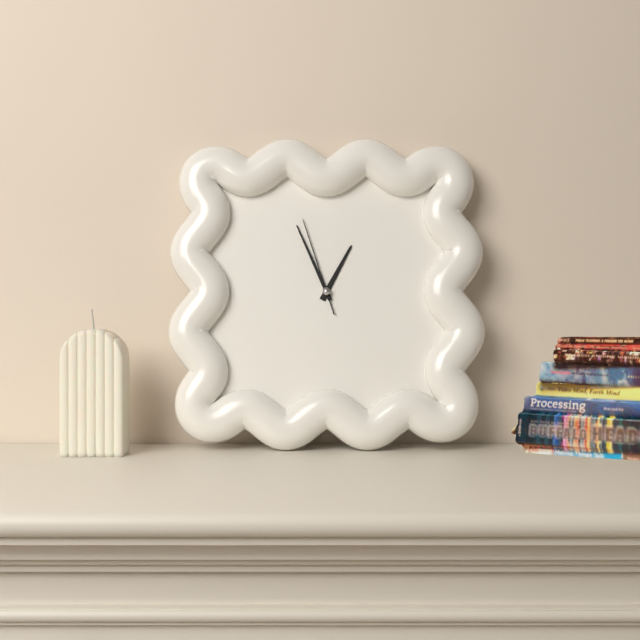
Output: 12.56.57
